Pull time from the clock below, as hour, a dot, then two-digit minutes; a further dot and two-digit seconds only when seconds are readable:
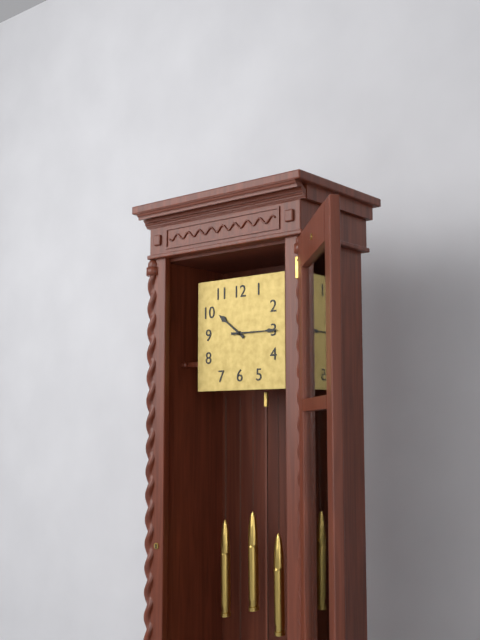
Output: 10.15
